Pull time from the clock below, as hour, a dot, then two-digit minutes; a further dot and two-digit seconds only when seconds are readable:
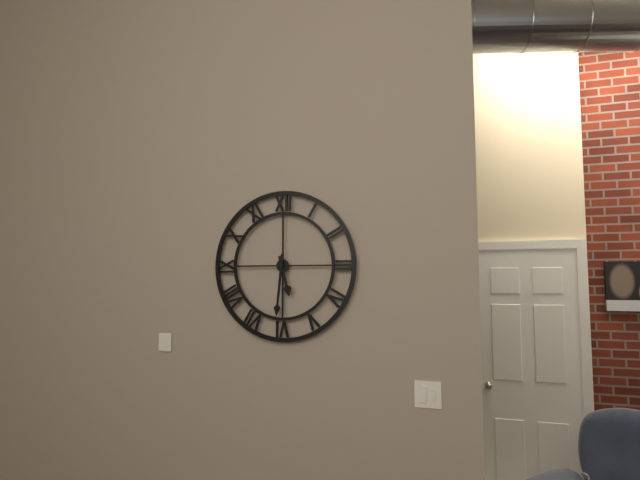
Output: 5.31
